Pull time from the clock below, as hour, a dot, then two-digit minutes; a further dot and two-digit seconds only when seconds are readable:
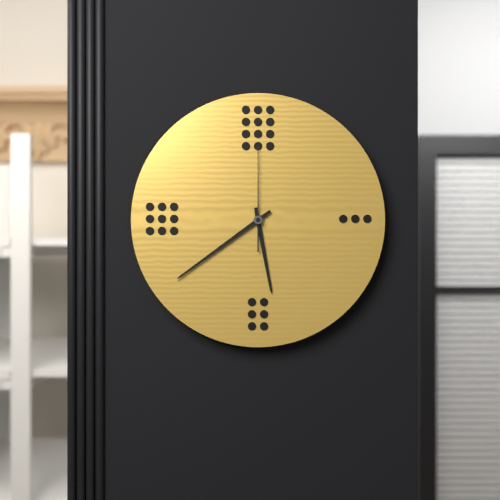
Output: 5.39.00
